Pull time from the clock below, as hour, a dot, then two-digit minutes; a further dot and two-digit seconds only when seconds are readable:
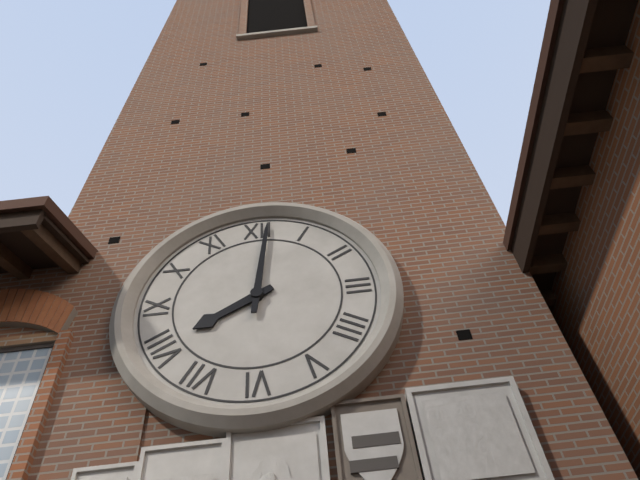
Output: 8.01
